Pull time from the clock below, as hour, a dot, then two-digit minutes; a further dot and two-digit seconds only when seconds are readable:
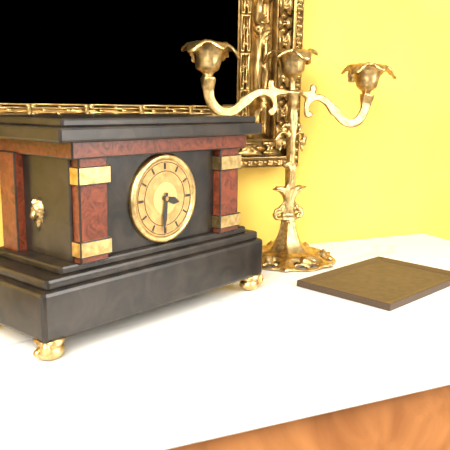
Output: 3.31
